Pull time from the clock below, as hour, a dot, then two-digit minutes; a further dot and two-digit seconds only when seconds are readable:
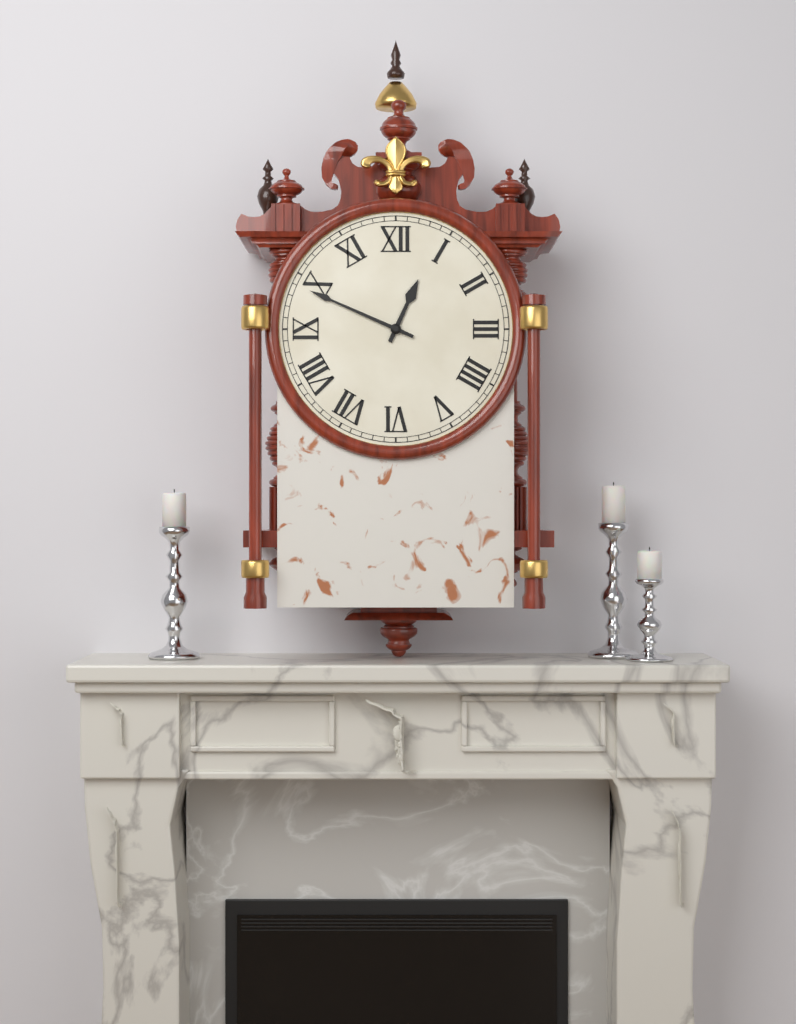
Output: 12.49
